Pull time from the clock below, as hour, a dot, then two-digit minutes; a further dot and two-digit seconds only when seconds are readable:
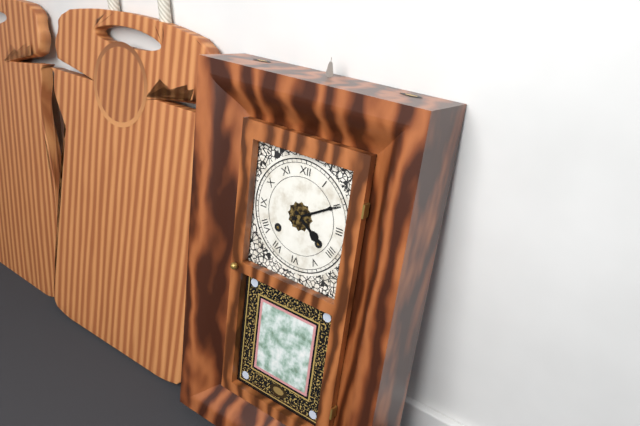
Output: 4.10
